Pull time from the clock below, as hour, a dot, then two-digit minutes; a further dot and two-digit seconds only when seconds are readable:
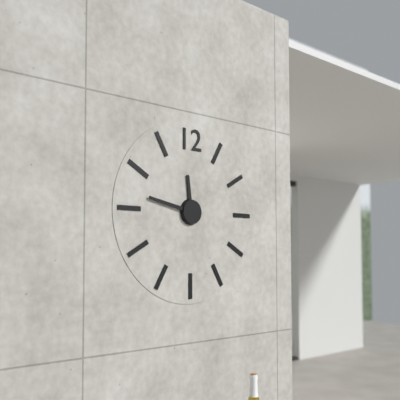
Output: 11.47
